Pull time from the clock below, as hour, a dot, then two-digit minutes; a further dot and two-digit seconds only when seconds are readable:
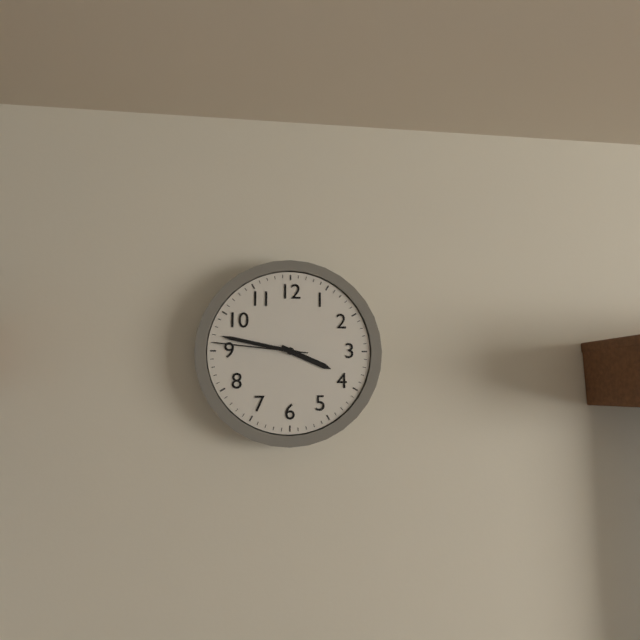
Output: 3.47.46
